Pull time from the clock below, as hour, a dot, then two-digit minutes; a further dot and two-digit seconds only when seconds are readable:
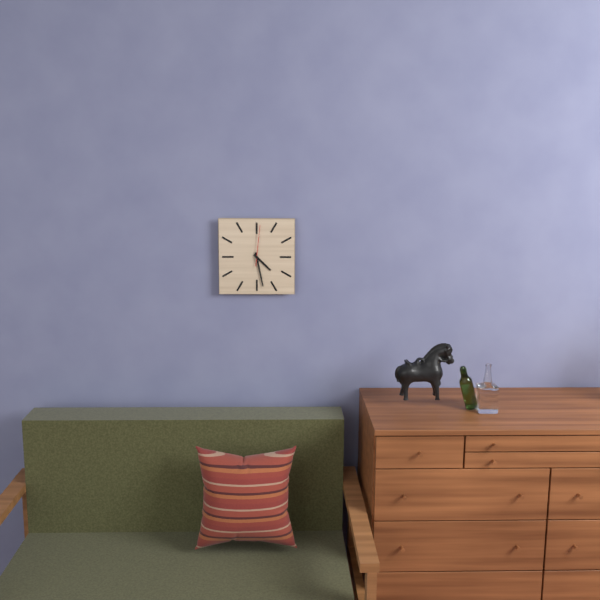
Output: 4.28
